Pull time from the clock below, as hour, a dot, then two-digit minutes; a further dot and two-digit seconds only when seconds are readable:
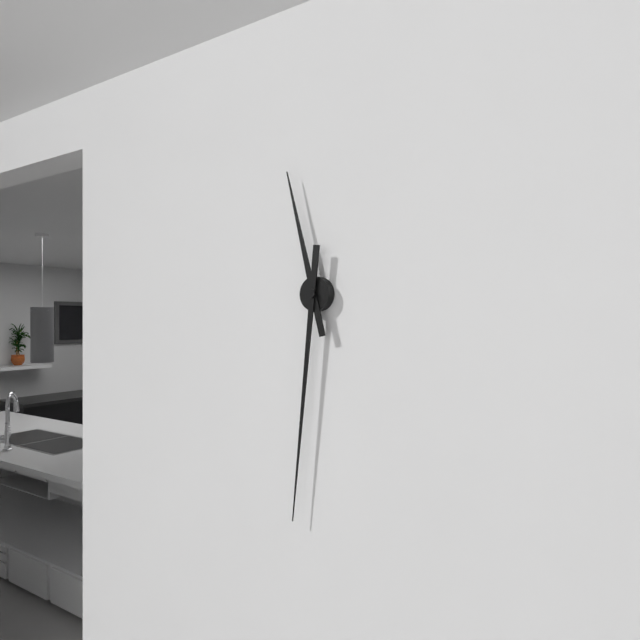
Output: 11.31
